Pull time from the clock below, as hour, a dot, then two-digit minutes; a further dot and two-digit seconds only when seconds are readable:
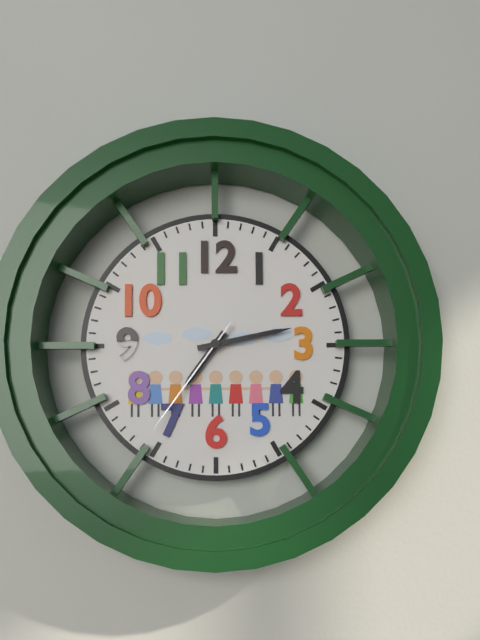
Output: 7.13.36
